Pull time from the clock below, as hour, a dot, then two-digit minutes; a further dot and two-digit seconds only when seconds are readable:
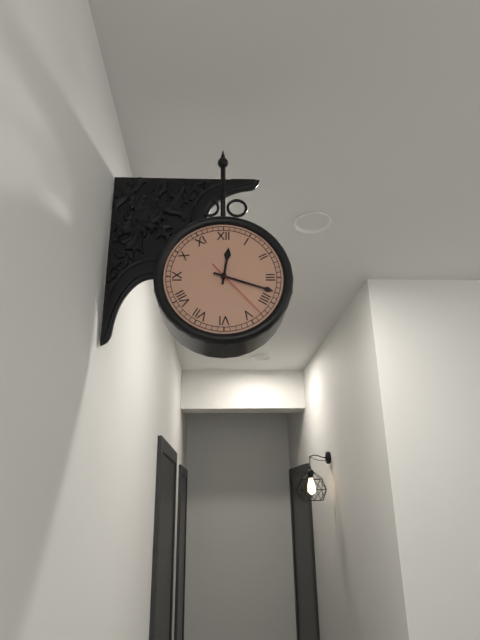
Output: 12.18.23
